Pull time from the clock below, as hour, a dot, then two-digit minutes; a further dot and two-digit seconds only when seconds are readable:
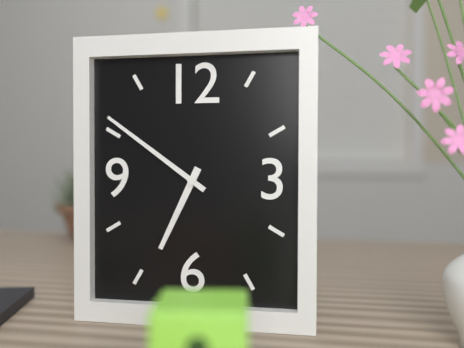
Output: 6.51
